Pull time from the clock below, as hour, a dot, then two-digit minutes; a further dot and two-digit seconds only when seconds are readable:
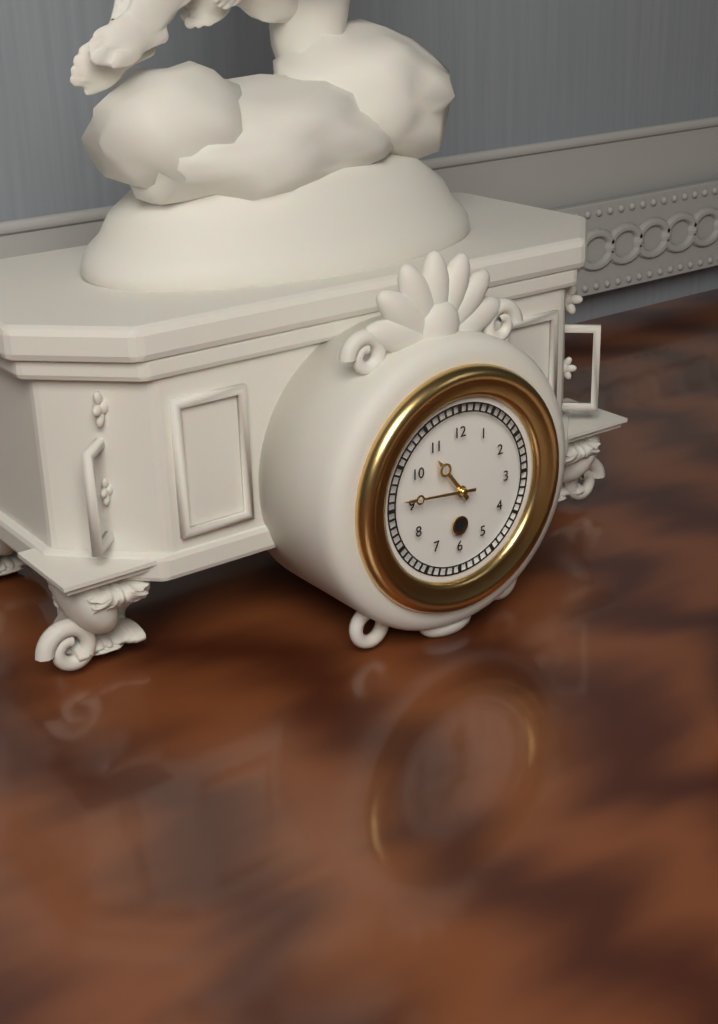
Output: 10.46
